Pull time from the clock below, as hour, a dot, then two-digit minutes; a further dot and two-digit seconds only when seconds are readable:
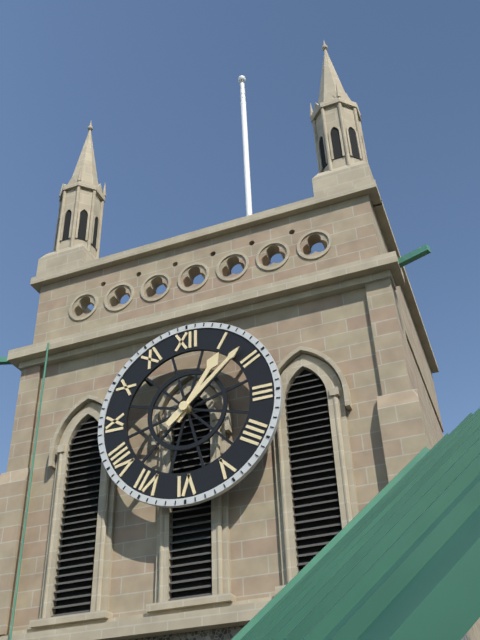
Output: 1.08
